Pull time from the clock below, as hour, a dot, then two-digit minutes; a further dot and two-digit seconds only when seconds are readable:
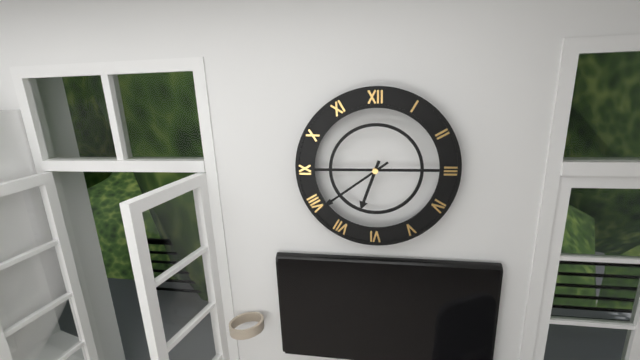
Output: 6.39
